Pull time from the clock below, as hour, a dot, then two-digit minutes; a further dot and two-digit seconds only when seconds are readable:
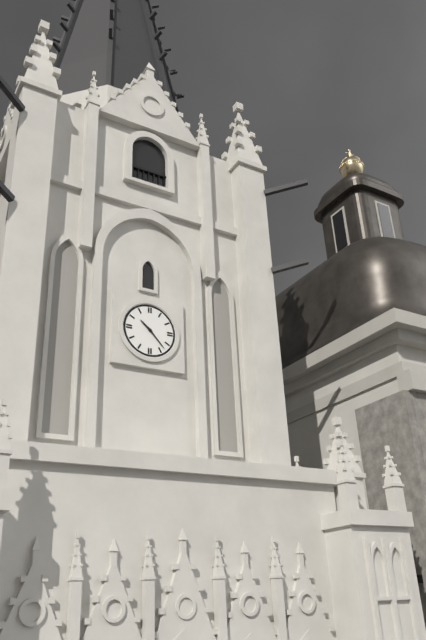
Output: 10.23
